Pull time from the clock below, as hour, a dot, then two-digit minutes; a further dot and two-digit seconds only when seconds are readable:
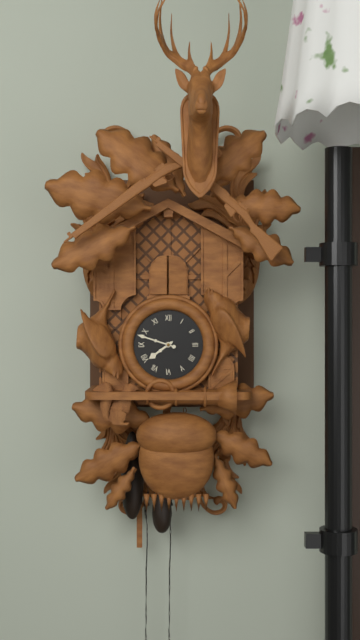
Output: 7.48
